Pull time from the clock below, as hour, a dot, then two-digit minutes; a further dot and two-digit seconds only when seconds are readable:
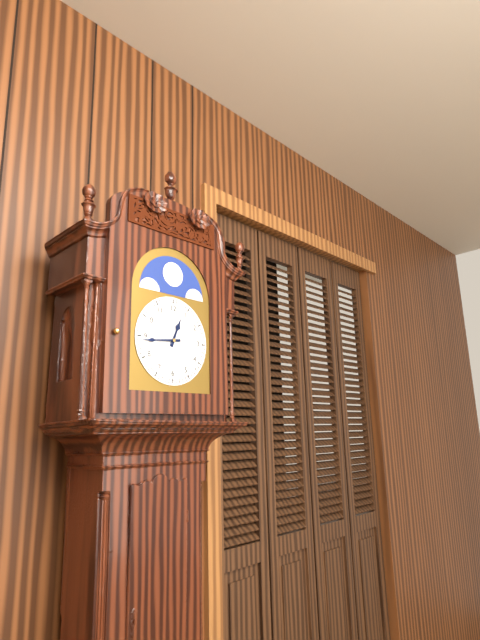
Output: 12.44
